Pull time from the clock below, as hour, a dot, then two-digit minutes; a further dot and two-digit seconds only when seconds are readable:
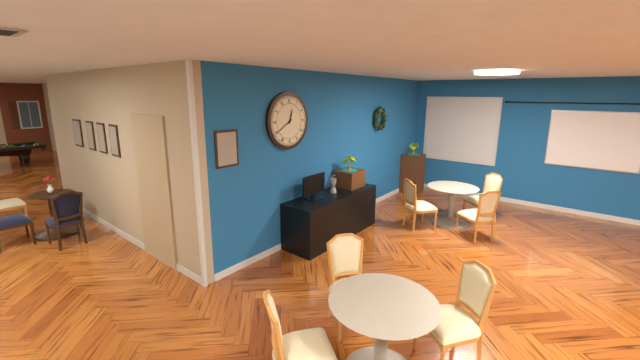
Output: 12.40
